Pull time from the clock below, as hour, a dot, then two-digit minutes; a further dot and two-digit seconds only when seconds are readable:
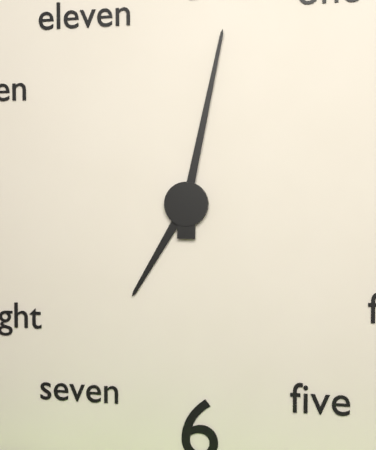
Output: 7.02
